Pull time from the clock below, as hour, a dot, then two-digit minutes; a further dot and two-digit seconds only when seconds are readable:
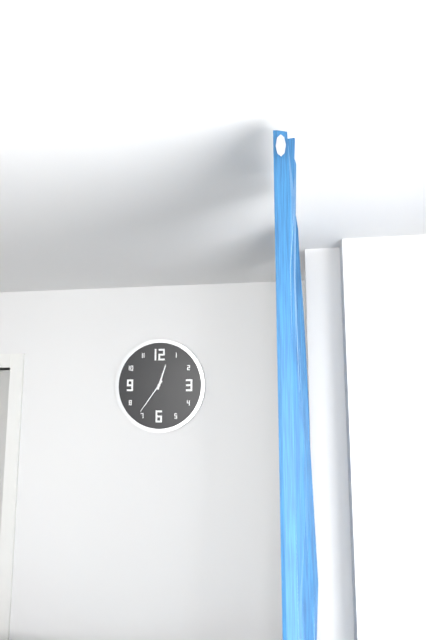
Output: 12.36
